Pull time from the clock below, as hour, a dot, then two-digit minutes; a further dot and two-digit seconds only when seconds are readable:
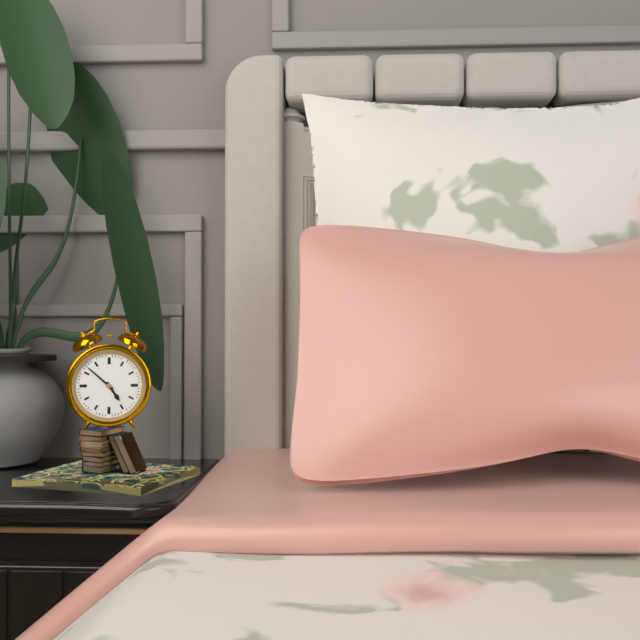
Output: 4.52
